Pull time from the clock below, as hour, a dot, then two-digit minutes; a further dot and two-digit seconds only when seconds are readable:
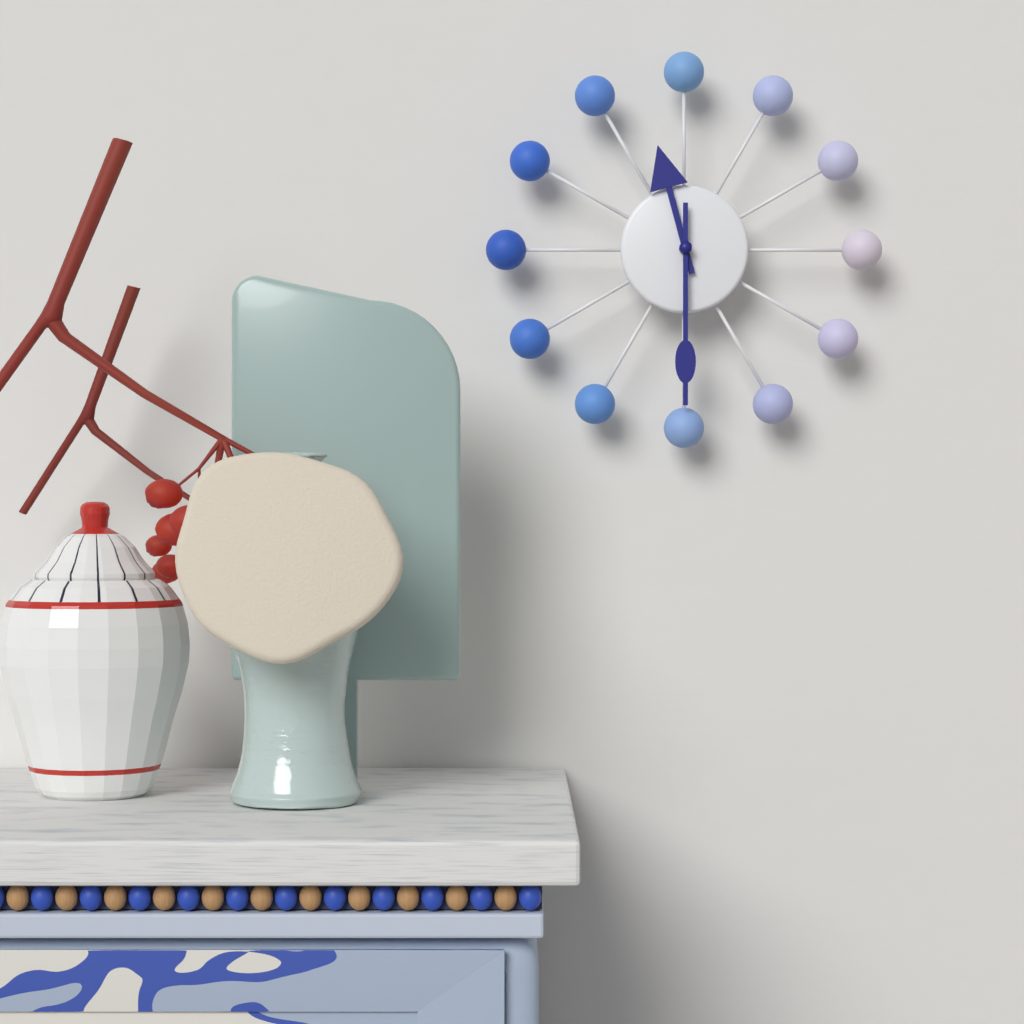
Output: 11.30
